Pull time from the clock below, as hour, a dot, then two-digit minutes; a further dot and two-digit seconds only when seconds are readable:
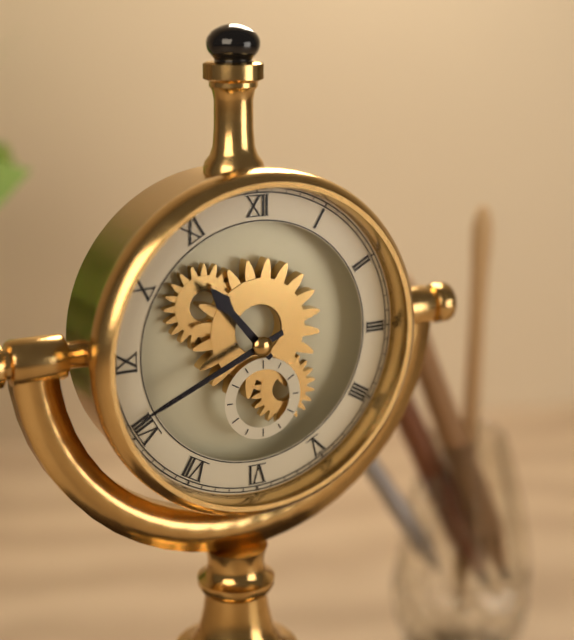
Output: 10.41
